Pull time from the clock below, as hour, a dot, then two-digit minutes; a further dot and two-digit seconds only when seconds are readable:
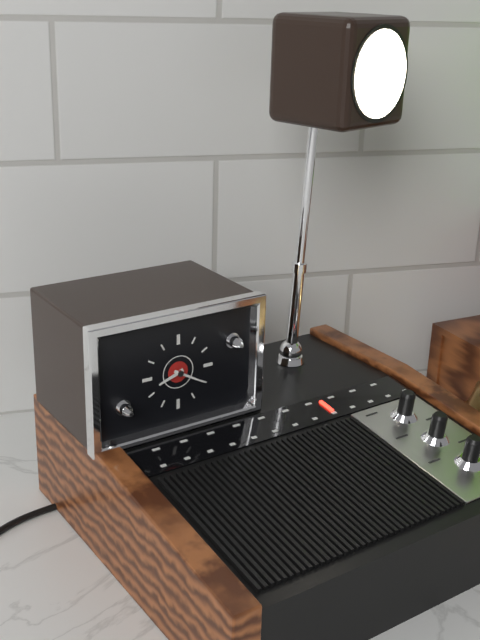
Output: 8.20
